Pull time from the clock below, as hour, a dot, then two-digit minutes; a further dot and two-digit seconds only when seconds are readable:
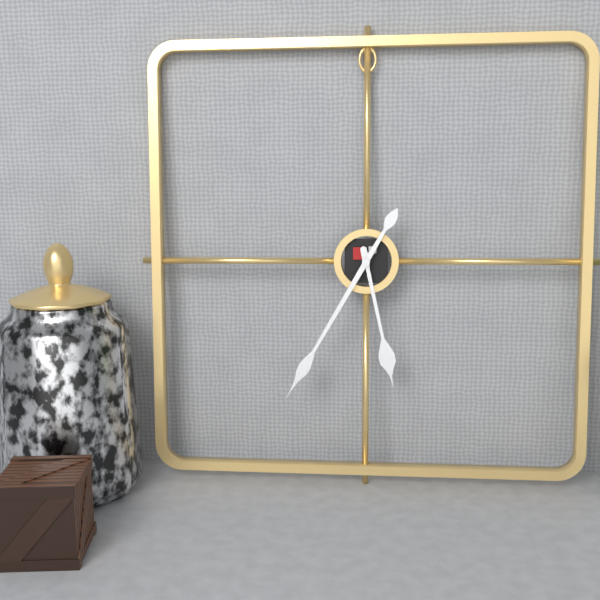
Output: 5.35
